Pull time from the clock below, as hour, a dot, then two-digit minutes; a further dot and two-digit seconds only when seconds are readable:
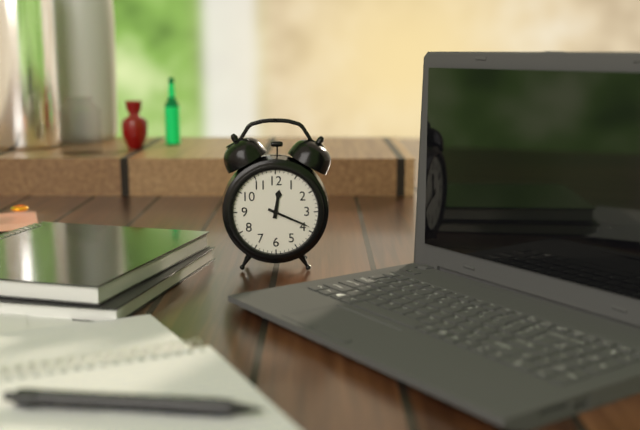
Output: 12.19
